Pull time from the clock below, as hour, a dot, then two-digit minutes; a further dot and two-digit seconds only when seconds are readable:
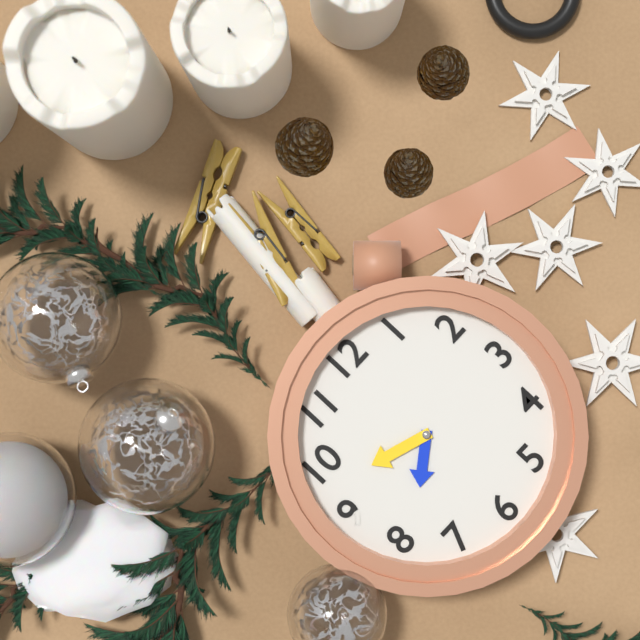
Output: 7.48
